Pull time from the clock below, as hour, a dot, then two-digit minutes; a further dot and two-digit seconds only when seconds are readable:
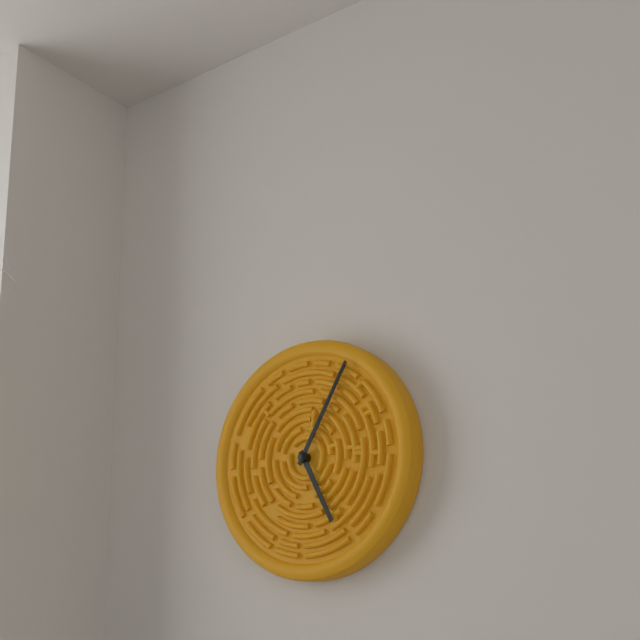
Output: 5.05
